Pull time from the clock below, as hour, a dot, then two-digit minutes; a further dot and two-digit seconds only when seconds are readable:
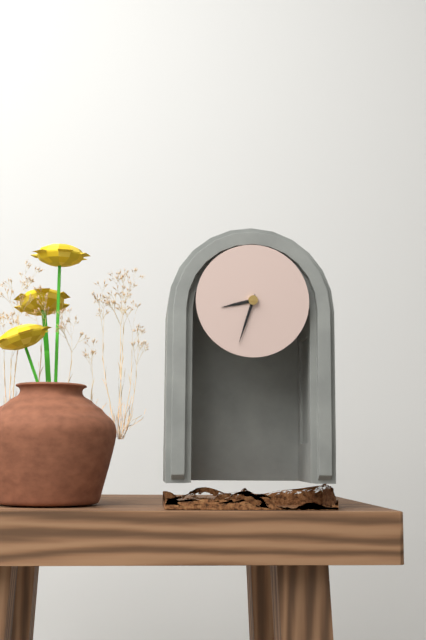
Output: 8.33
